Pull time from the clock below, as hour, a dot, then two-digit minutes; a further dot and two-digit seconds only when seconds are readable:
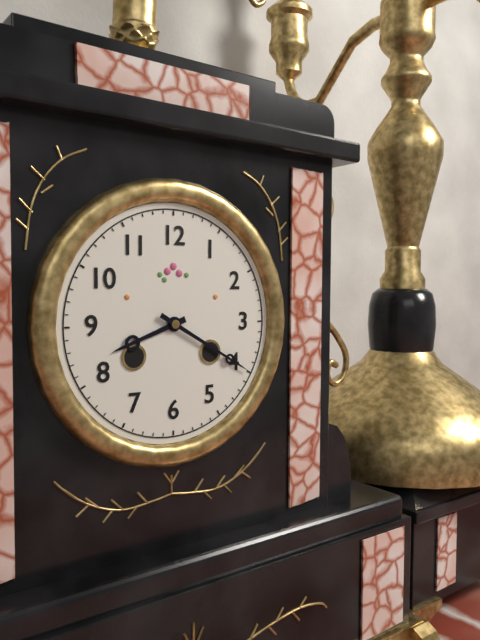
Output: 8.20
